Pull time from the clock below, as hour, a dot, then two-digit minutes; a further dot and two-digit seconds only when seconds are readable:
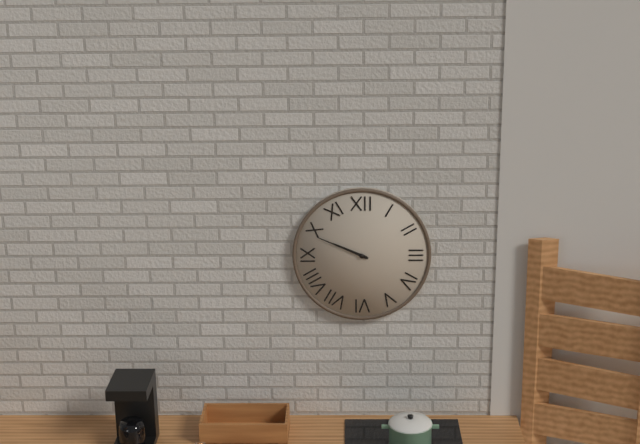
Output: 9.49
